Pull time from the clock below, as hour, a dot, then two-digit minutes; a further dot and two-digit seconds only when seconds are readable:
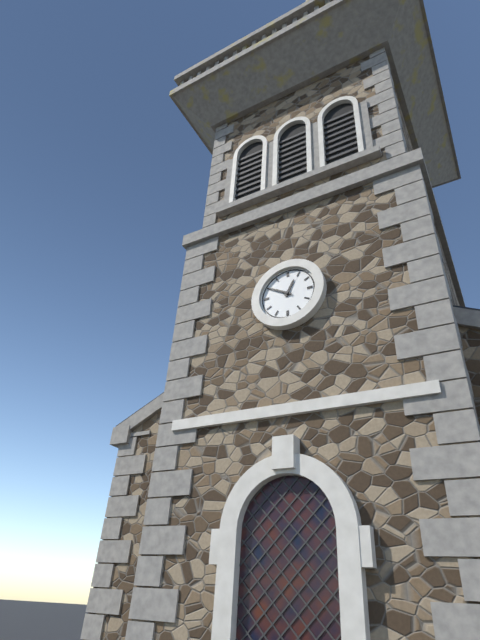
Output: 12.50
